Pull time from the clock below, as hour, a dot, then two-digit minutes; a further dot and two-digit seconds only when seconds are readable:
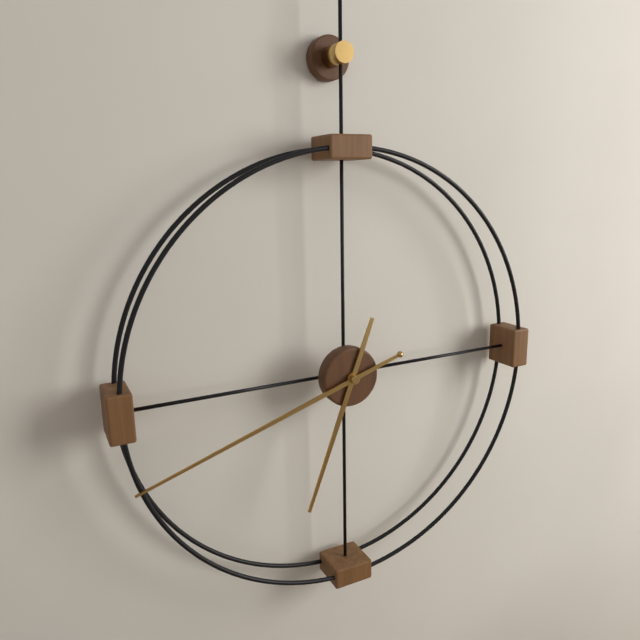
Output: 6.42
